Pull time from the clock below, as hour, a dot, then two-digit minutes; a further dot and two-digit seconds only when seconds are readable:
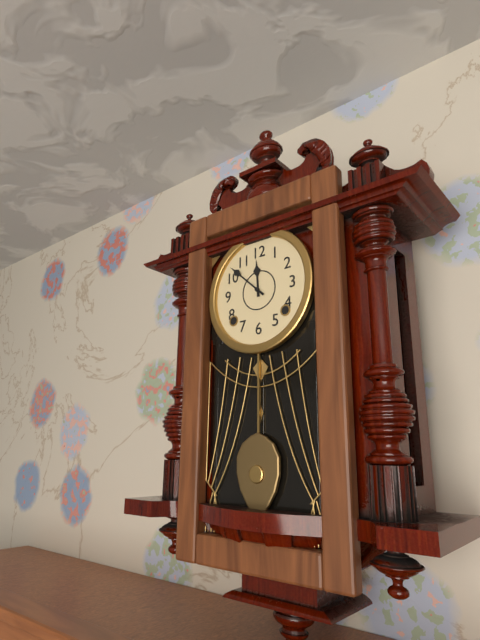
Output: 11.52
